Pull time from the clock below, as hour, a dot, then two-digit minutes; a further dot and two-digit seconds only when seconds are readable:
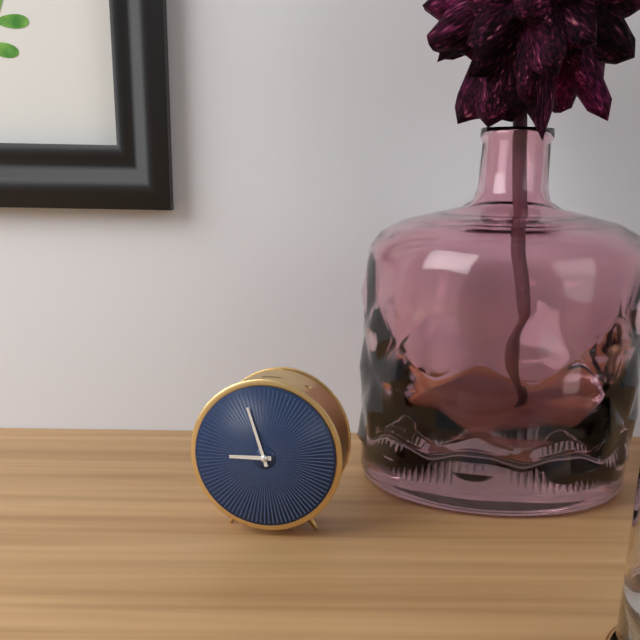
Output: 8.57
